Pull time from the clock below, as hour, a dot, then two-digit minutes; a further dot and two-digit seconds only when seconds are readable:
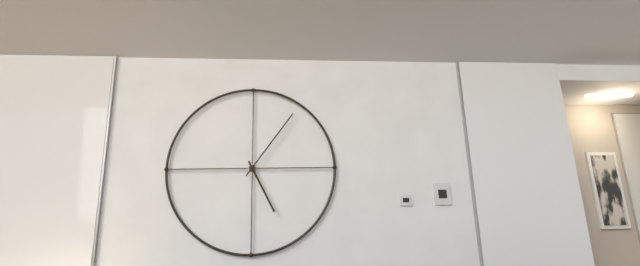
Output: 5.06
